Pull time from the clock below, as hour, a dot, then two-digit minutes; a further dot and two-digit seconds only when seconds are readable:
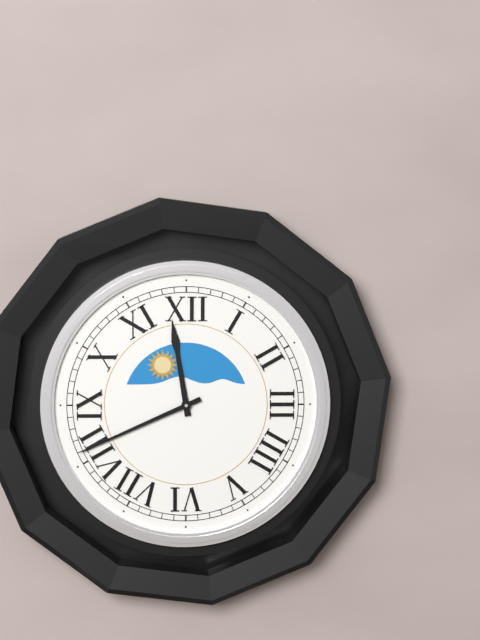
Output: 11.41
